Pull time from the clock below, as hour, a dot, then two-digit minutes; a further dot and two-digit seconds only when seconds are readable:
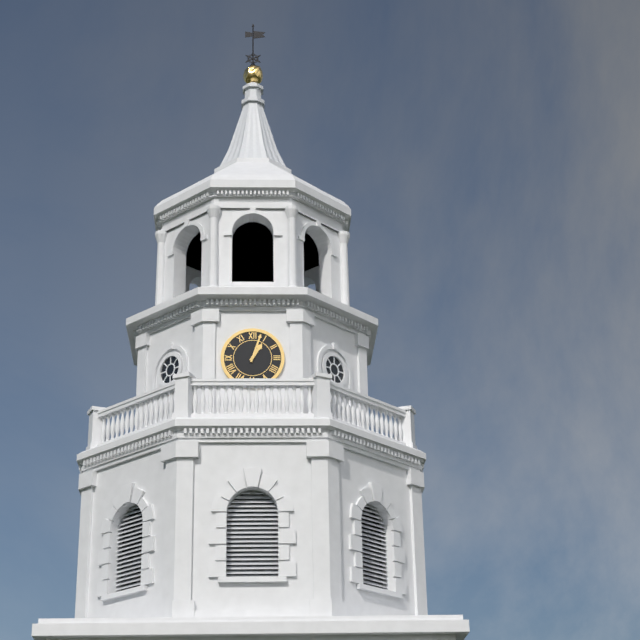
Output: 1.03
